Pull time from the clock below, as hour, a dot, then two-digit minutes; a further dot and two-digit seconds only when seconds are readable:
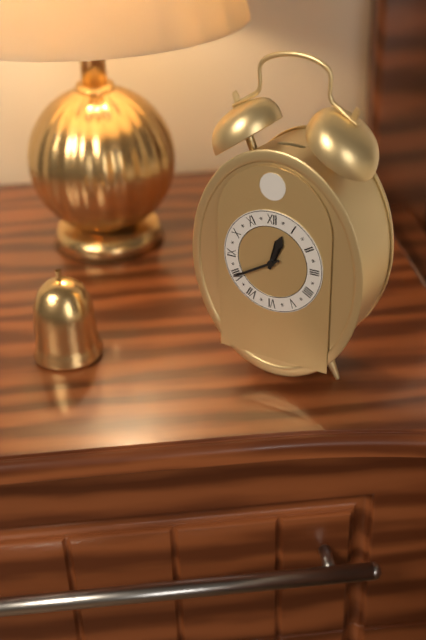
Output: 12.40
